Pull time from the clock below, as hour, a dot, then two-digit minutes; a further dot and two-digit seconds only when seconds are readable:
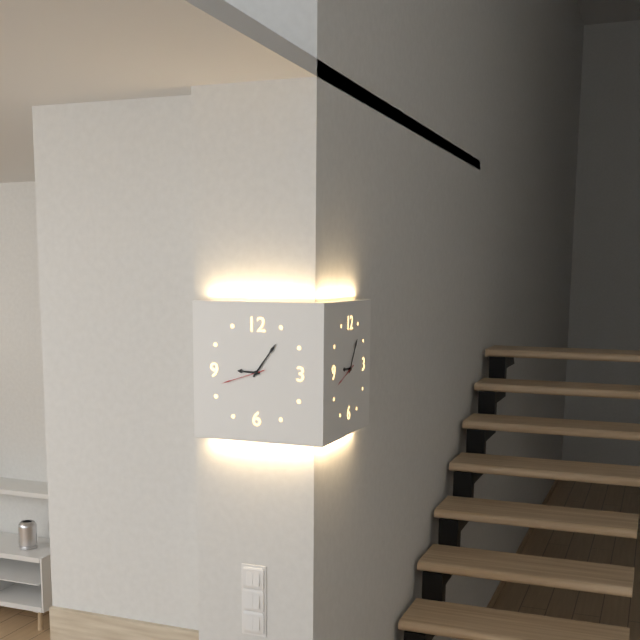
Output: 9.06
